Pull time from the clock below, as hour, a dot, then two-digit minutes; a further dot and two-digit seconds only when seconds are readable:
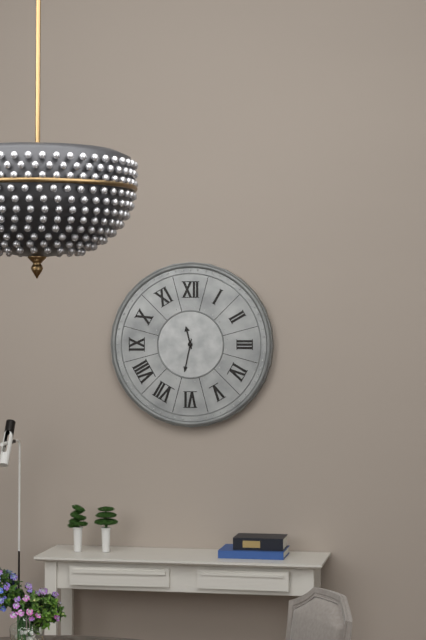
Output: 11.32
